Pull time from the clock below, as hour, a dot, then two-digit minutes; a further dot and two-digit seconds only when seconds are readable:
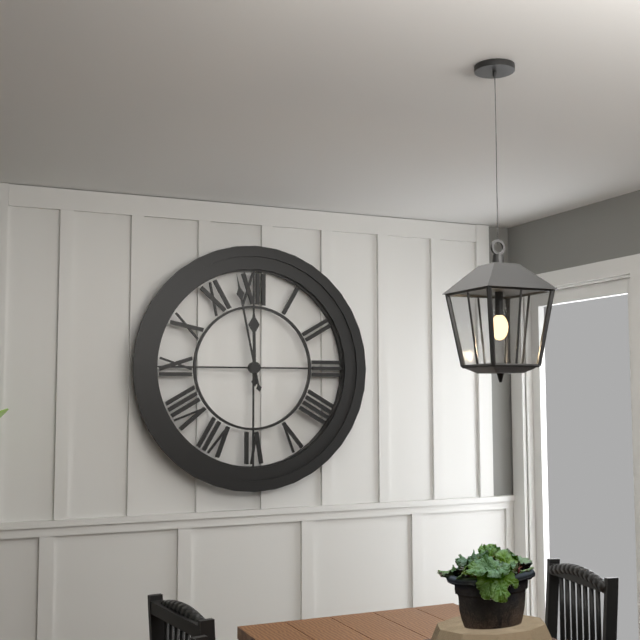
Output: 11.58
